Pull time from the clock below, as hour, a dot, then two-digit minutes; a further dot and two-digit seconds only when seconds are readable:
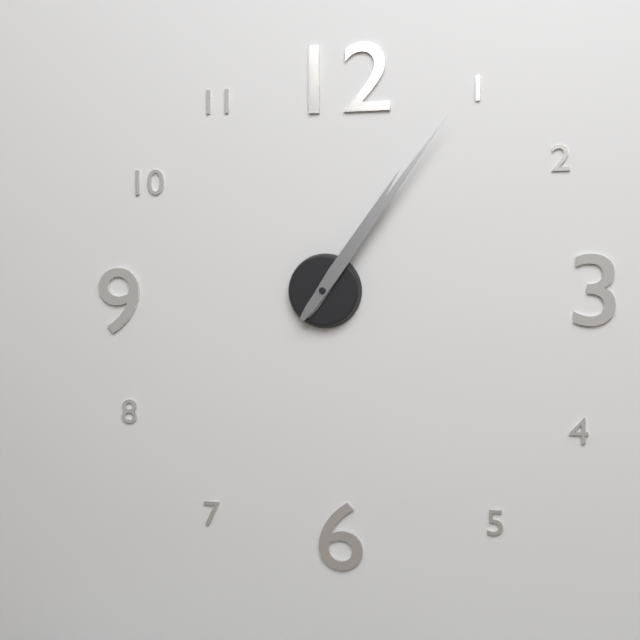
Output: 1.06
